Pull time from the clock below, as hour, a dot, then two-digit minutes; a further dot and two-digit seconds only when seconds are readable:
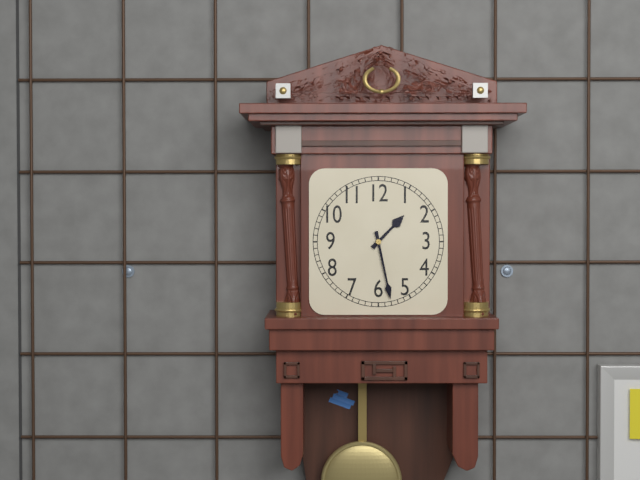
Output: 1.28
